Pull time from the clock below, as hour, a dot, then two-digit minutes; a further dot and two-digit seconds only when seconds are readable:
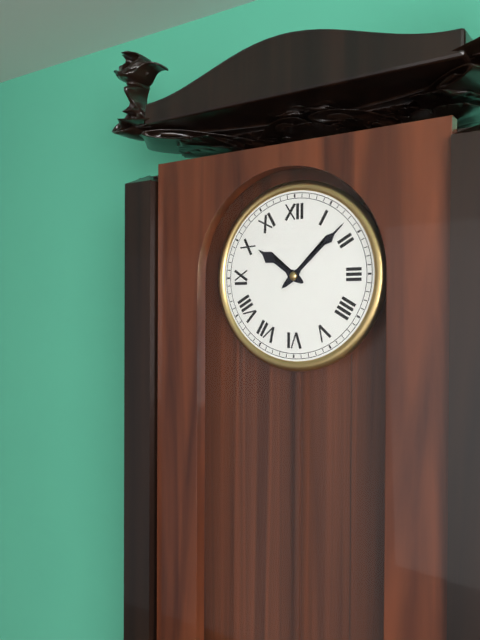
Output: 10.08
